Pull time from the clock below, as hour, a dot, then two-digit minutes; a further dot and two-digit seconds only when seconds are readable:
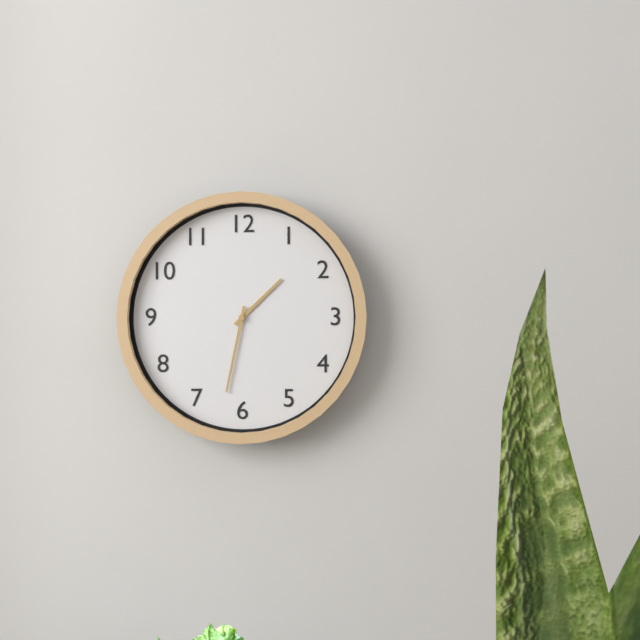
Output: 1.32
